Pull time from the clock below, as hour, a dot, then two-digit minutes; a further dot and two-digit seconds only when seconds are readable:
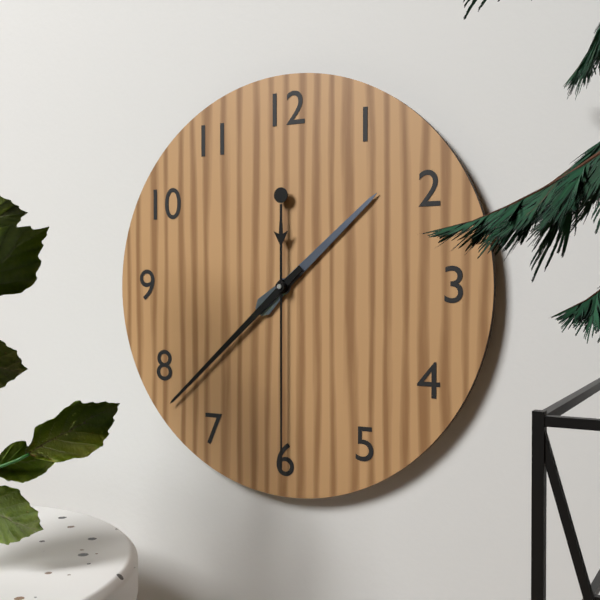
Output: 1.38.30
